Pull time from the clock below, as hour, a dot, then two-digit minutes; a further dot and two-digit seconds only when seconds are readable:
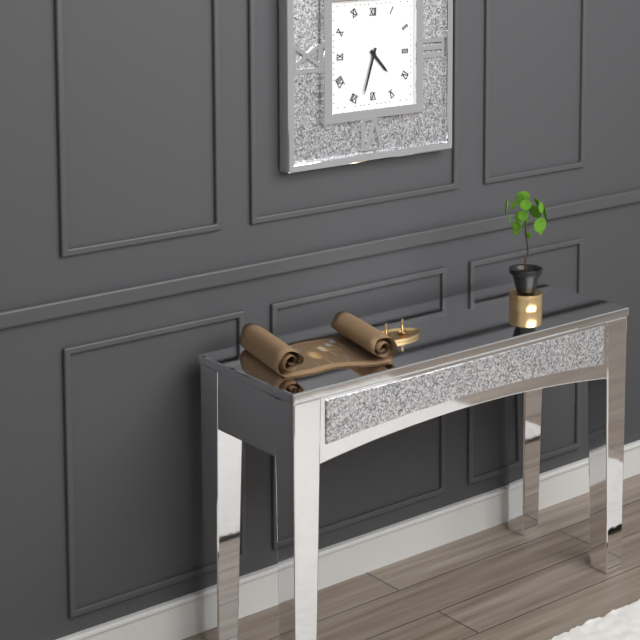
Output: 4.33
